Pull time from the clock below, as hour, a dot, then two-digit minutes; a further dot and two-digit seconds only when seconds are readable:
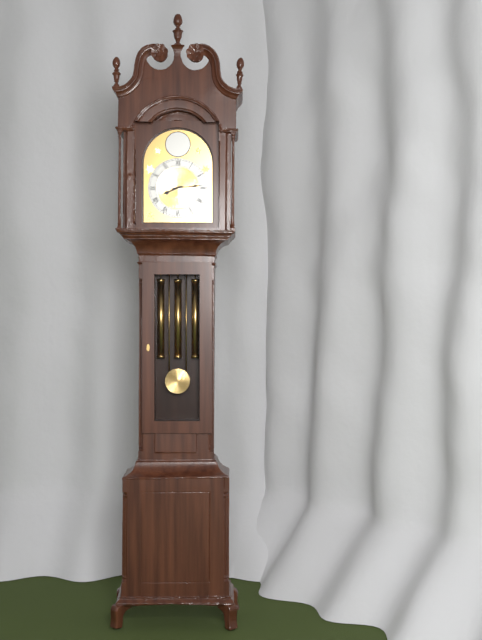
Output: 8.14
